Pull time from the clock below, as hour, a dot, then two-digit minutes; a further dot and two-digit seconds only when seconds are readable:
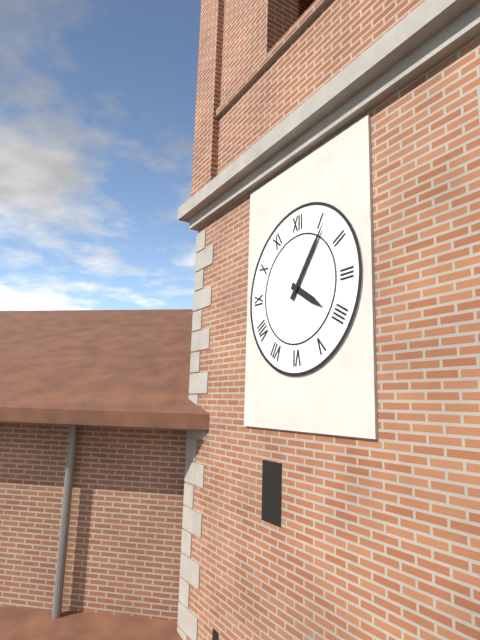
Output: 4.06
